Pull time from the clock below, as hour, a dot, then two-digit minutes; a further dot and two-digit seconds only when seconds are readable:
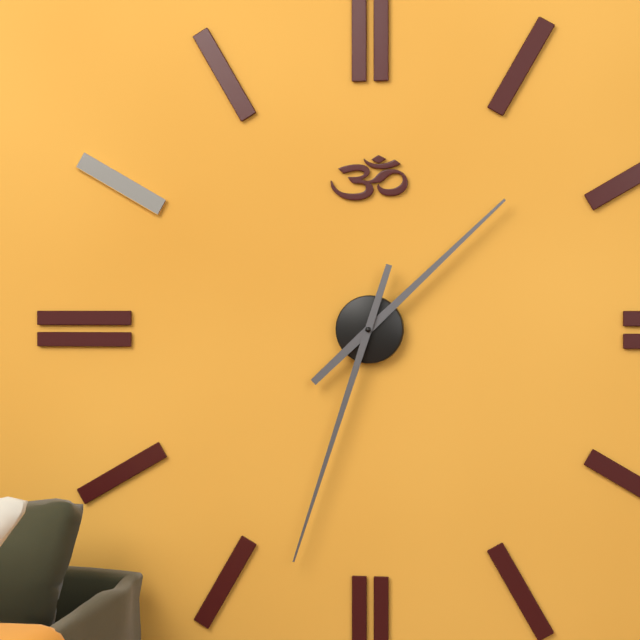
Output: 1.33
